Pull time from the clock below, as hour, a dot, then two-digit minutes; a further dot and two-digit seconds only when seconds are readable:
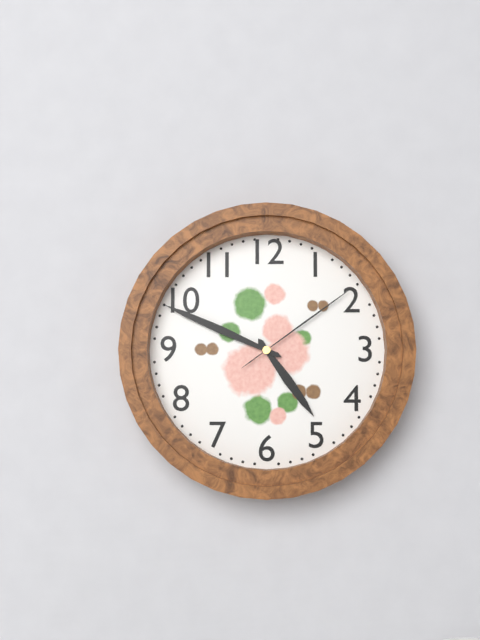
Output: 4.49.09
